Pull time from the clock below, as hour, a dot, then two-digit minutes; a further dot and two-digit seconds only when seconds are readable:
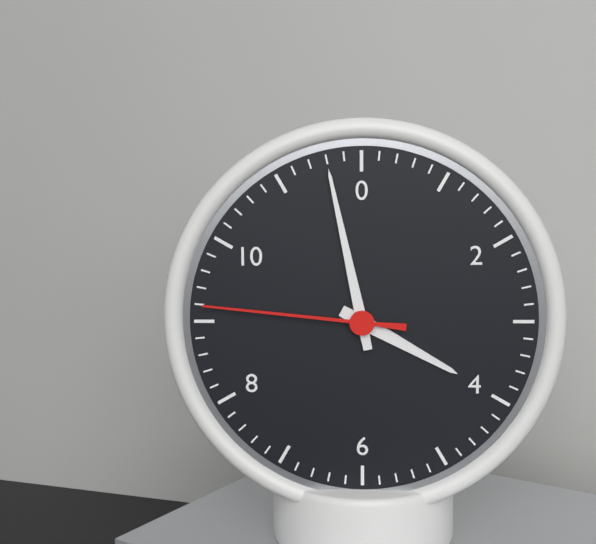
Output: 3.58.46
